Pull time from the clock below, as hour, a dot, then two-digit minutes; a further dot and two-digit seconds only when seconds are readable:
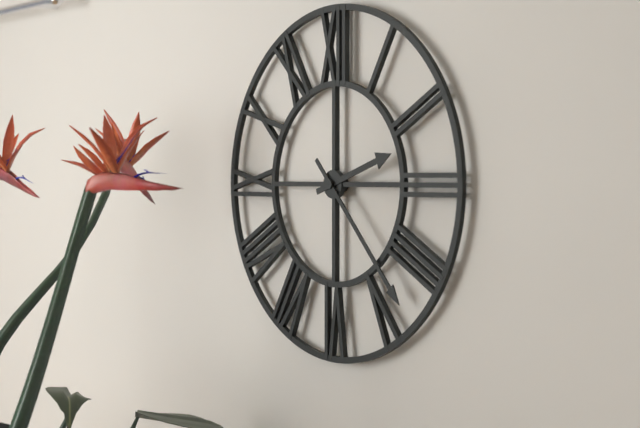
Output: 2.23
